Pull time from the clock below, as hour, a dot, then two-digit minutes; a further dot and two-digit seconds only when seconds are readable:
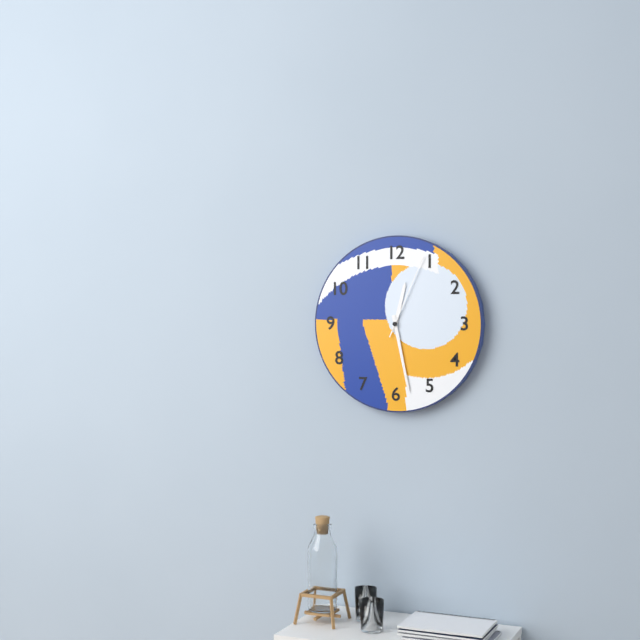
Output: 12.28.04
